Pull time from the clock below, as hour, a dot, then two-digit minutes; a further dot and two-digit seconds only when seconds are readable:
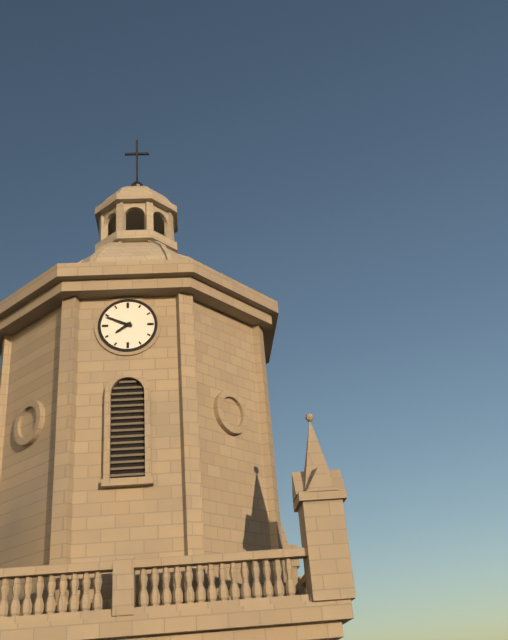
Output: 7.49
